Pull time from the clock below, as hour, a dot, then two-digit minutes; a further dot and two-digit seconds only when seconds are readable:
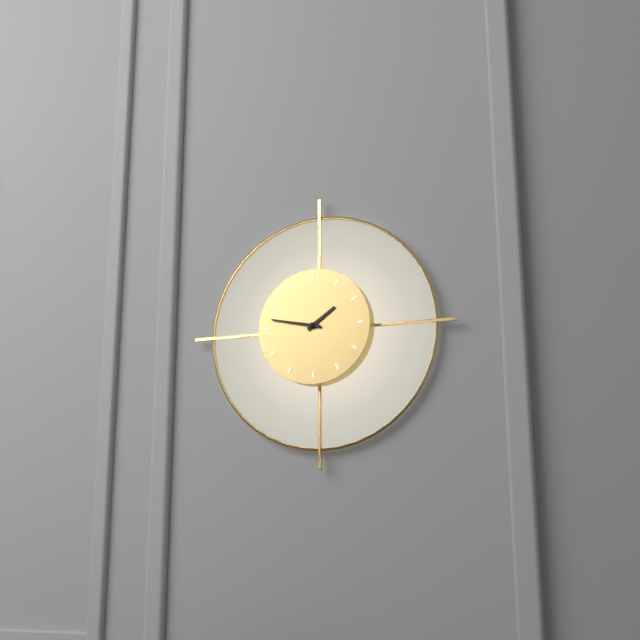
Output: 1.47
